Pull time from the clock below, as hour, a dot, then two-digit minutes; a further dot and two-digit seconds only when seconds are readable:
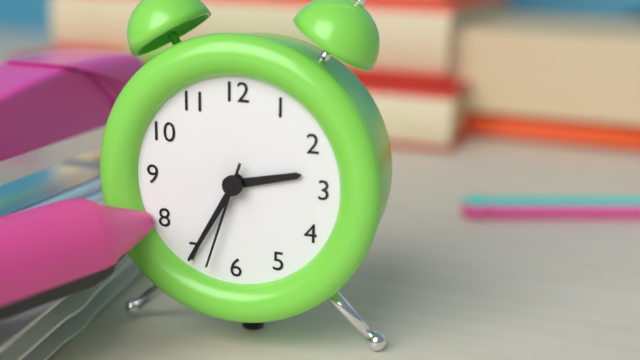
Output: 2.35.33
